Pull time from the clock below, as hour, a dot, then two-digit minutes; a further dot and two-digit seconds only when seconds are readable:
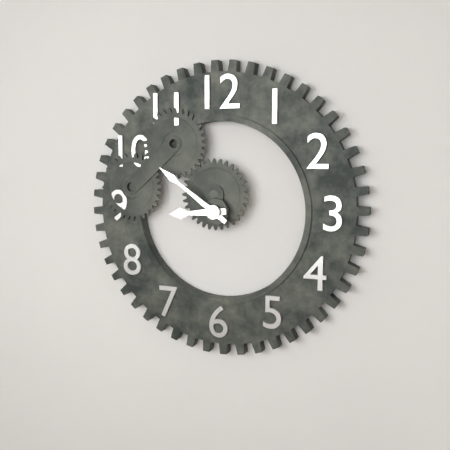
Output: 8.51
